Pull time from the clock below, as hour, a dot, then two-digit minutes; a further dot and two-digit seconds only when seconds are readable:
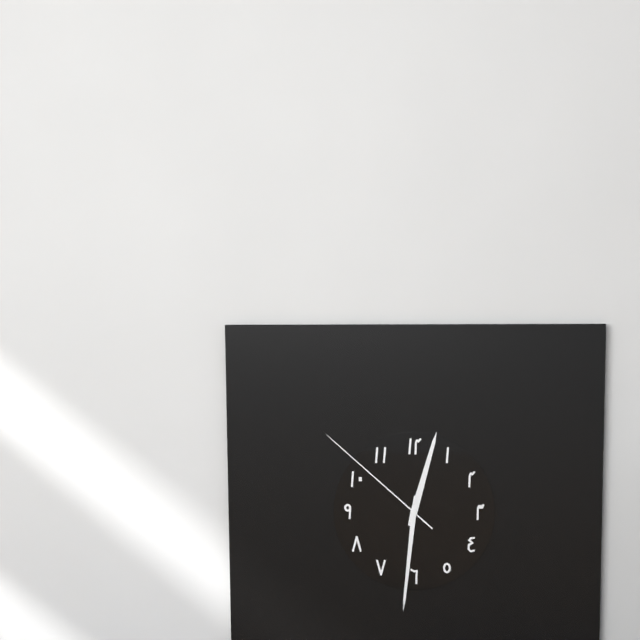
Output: 12.31.52
